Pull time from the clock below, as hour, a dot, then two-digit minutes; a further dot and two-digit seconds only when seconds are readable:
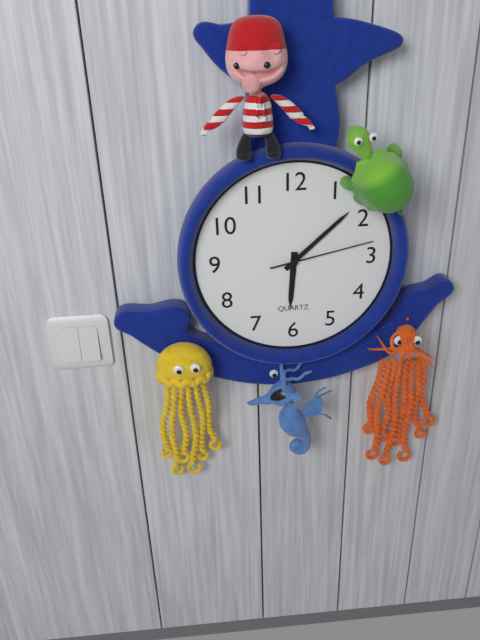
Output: 6.08.13
